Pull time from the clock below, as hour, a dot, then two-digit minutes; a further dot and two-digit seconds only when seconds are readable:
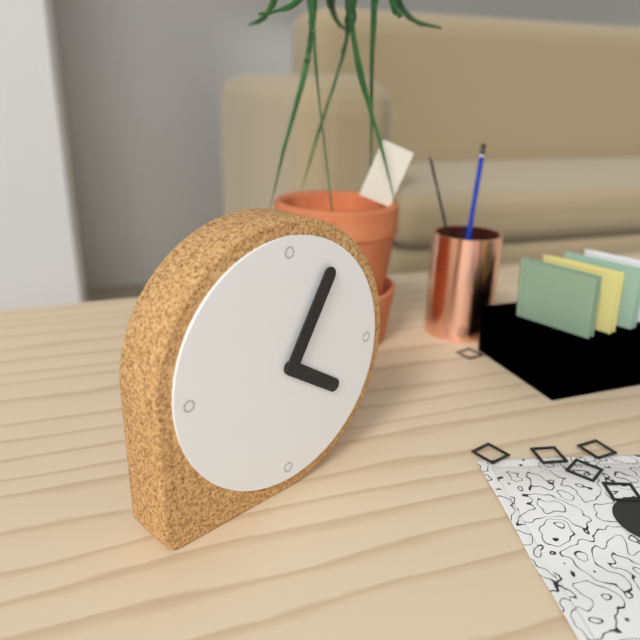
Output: 4.05
